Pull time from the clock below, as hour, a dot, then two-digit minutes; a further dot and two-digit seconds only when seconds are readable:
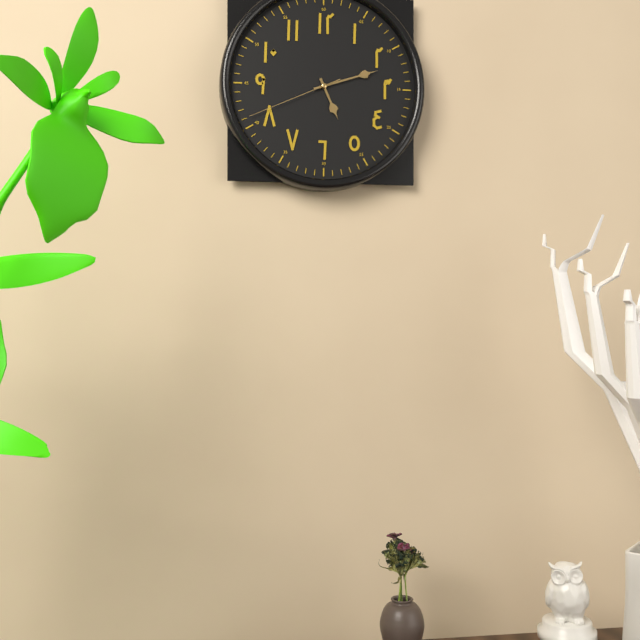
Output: 5.12.41
